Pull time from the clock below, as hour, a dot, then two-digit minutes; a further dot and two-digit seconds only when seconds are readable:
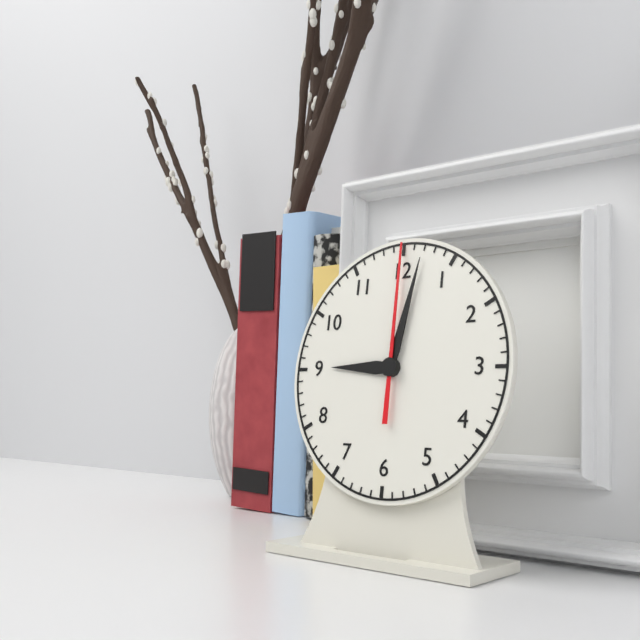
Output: 9.02.00
